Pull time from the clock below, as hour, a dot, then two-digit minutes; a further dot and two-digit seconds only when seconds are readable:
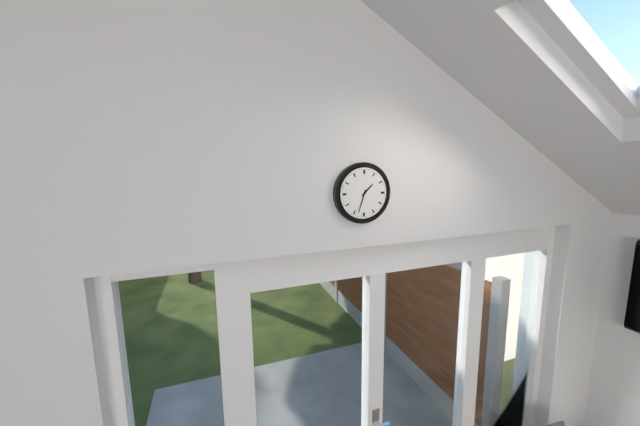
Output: 1.33
